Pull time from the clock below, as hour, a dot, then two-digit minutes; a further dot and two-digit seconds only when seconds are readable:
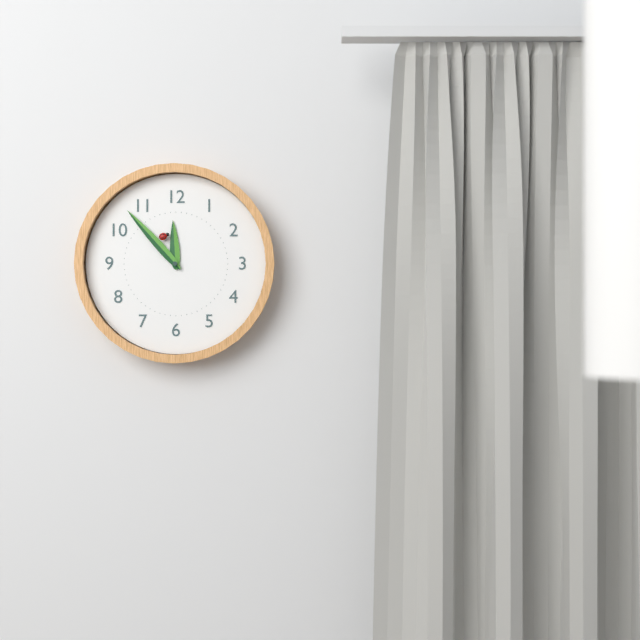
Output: 11.53
